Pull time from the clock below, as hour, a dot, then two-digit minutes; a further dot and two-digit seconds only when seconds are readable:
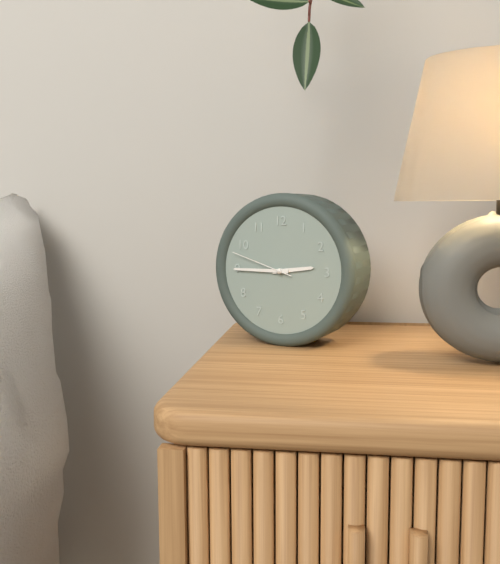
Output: 2.45.48
